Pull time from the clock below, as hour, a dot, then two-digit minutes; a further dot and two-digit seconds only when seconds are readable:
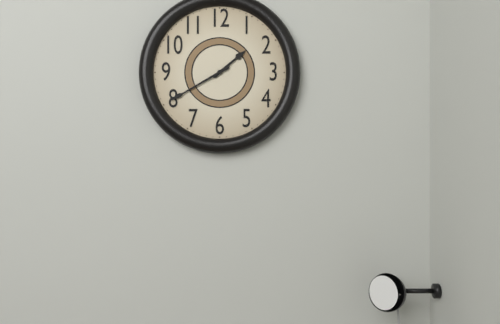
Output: 1.40
